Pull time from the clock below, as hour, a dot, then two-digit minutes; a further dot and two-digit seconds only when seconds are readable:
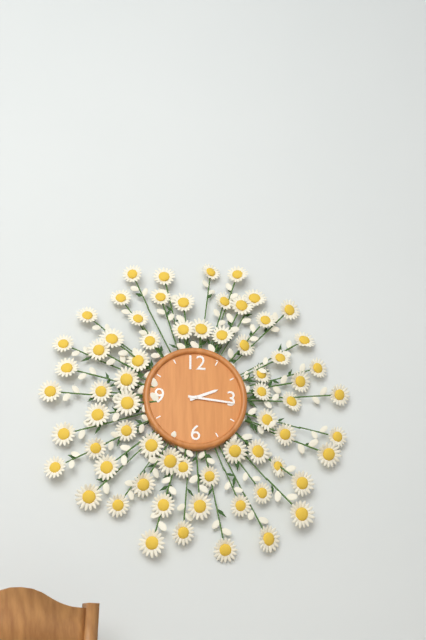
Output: 2.16
